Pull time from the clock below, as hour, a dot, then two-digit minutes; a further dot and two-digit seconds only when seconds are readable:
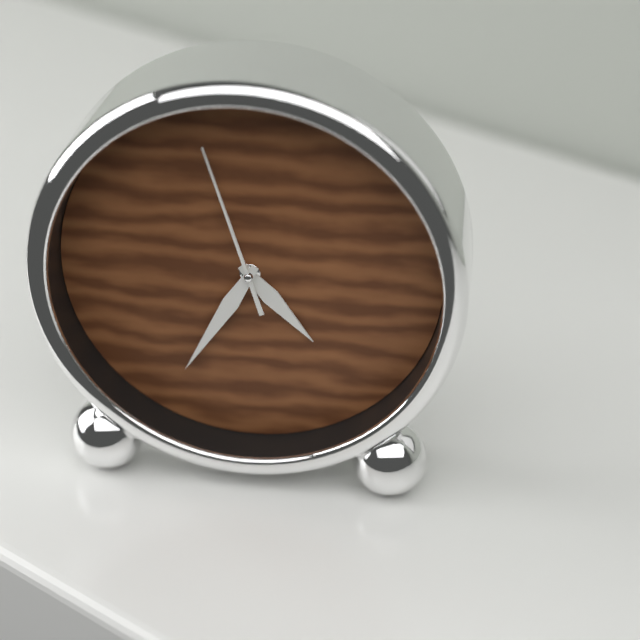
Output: 4.35.57
